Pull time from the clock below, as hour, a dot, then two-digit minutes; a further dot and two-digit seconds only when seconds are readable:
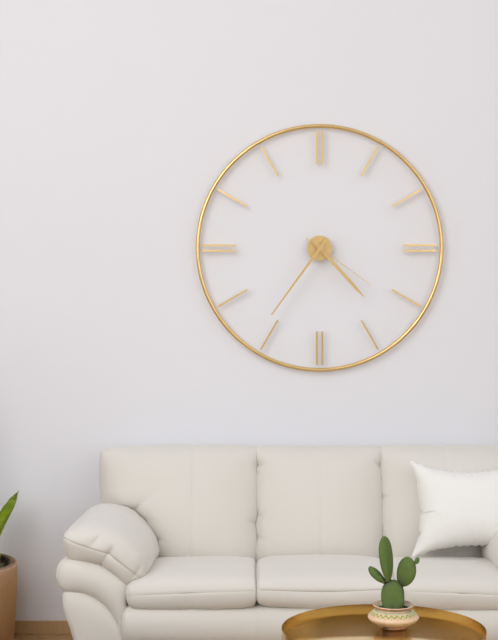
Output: 4.36.21
